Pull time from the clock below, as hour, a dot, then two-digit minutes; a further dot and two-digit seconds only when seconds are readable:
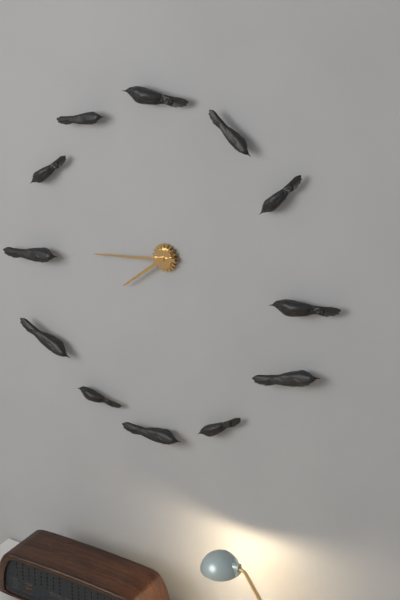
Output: 7.44
